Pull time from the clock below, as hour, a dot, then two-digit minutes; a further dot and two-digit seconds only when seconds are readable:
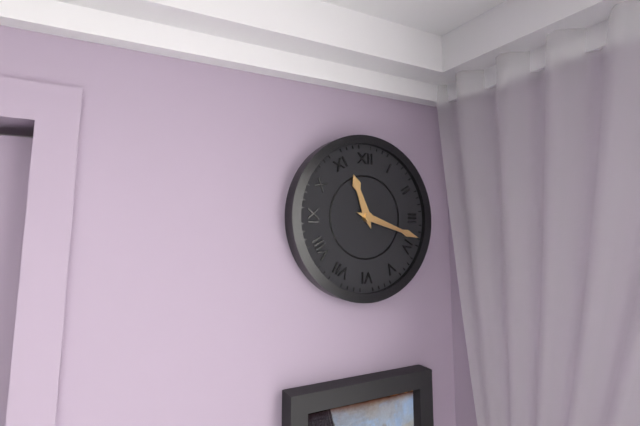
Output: 11.18
